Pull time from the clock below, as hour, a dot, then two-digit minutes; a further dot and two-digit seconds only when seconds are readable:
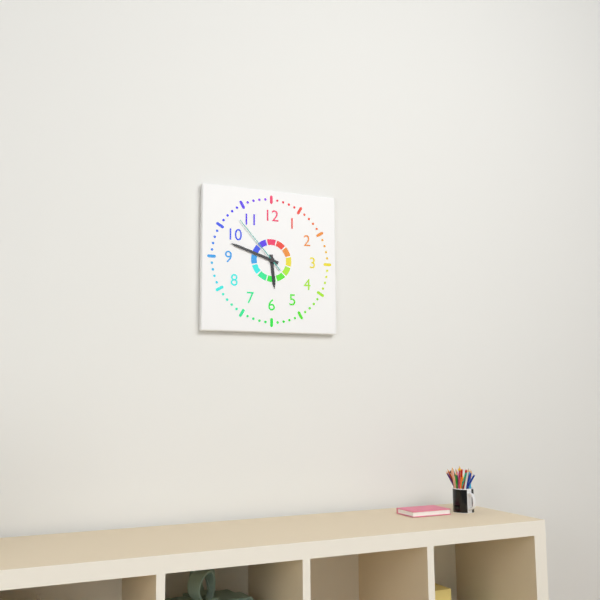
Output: 5.48.53
